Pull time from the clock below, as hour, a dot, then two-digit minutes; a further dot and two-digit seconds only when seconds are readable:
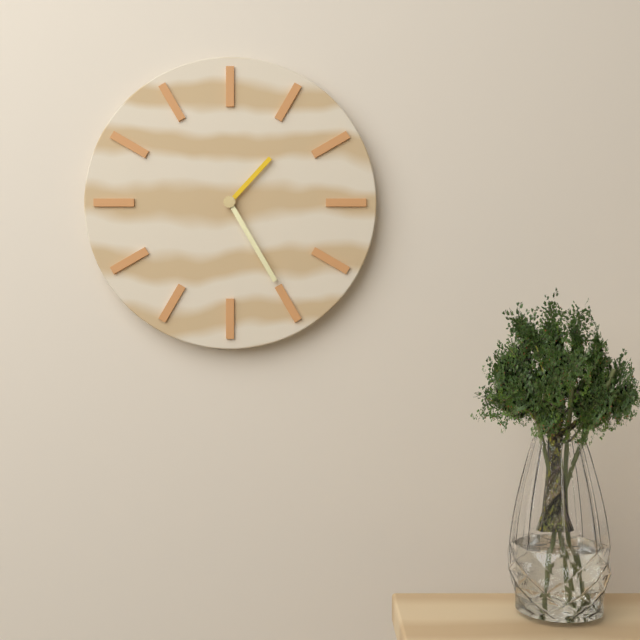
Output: 1.25
